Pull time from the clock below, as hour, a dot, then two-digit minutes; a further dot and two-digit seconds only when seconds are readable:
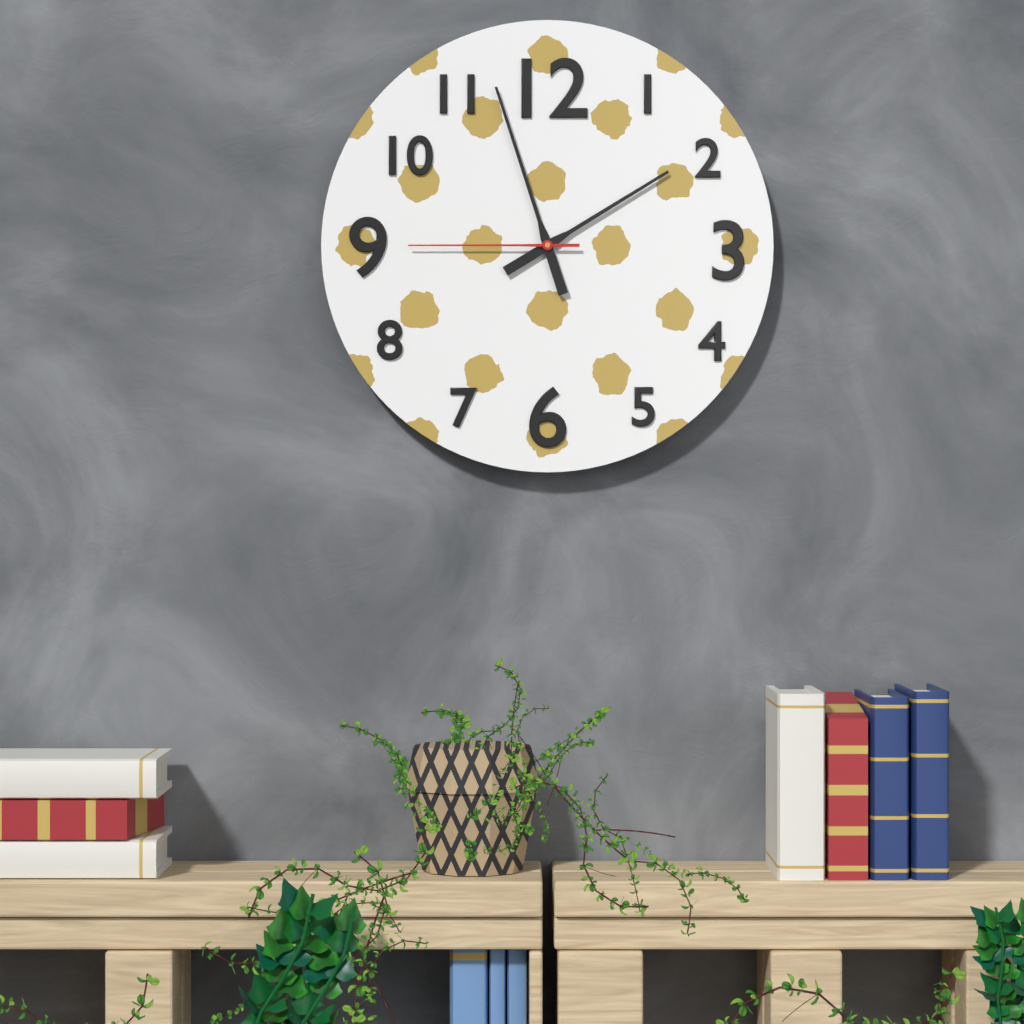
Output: 1.57.45
